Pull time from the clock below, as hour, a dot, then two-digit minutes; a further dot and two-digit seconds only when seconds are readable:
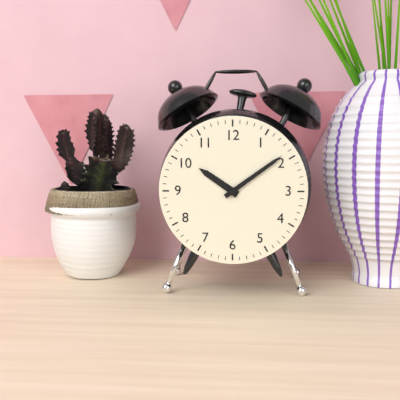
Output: 10.09
